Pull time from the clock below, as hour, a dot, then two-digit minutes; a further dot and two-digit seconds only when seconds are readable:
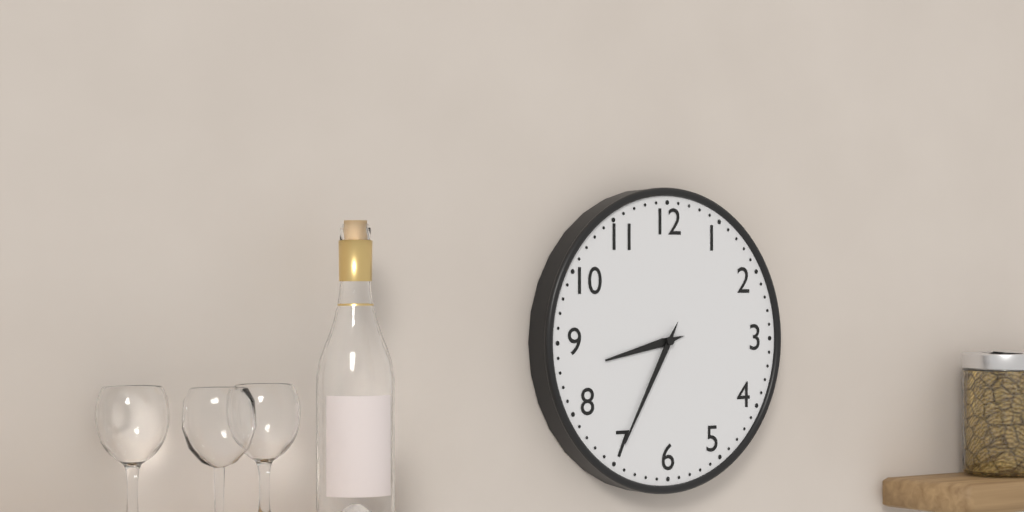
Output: 8.35
